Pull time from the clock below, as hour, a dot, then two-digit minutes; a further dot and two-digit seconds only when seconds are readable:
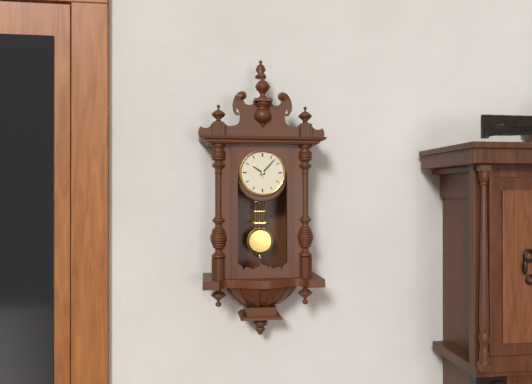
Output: 10.07
